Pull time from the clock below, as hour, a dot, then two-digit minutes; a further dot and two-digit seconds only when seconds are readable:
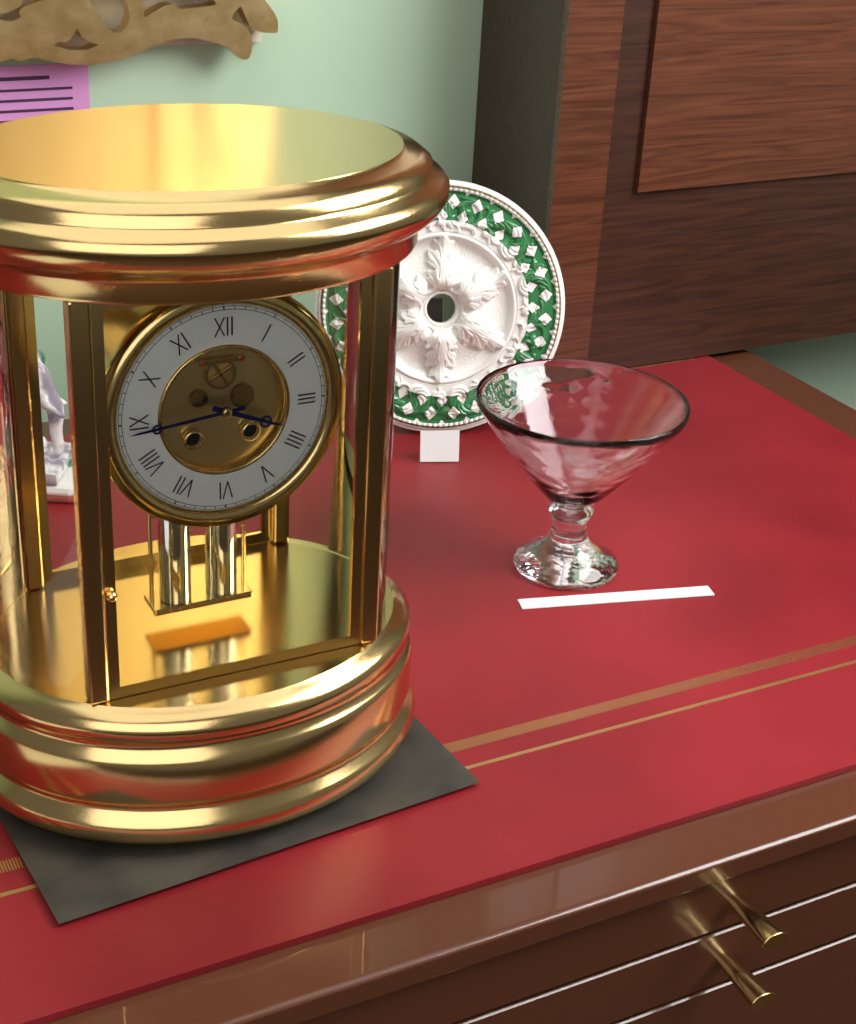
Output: 3.44
